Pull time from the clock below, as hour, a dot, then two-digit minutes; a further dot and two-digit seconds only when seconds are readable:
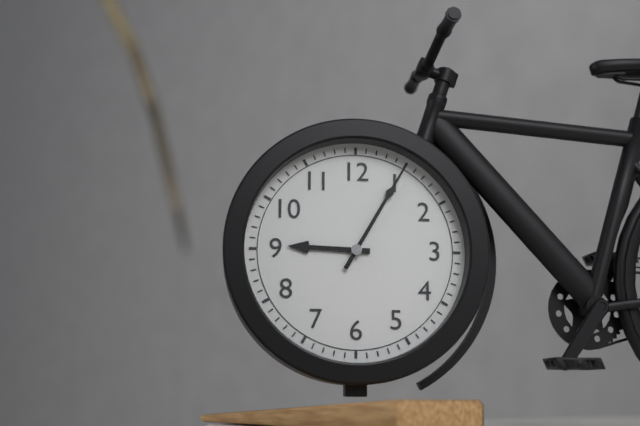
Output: 9.05
